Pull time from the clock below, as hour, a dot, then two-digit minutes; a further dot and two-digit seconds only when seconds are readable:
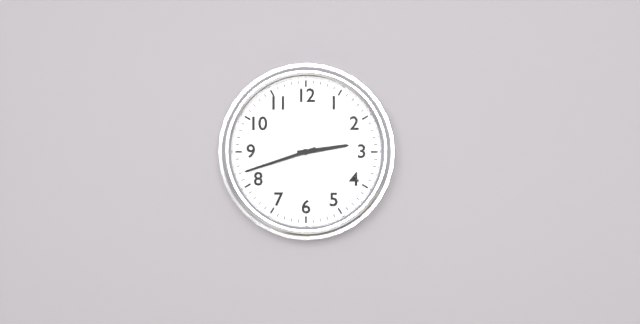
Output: 2.42
